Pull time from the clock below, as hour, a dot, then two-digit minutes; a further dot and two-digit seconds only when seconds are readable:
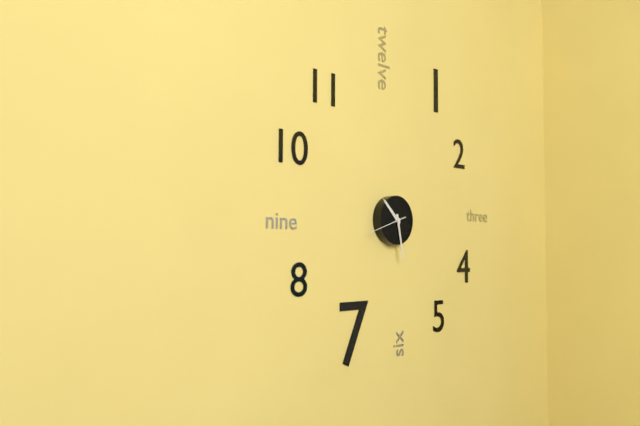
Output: 10.28
